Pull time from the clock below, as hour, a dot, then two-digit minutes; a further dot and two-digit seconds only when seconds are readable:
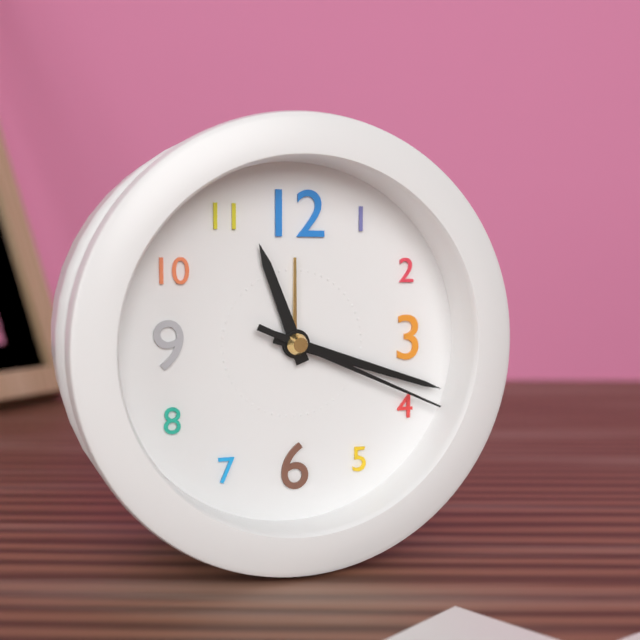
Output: 11.18.19
